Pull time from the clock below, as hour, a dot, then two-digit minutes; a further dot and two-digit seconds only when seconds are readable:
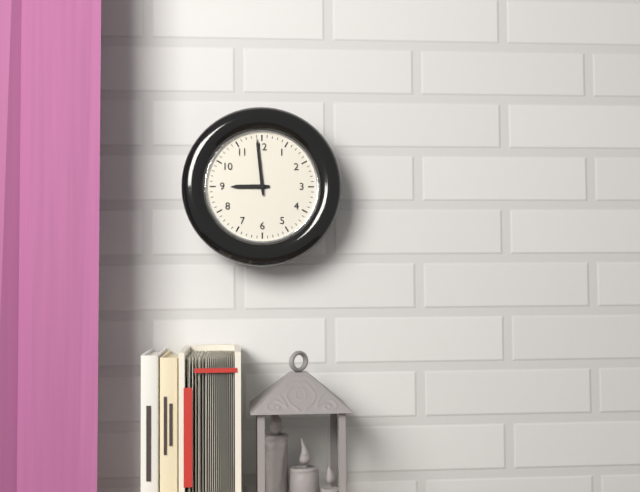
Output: 8.59
